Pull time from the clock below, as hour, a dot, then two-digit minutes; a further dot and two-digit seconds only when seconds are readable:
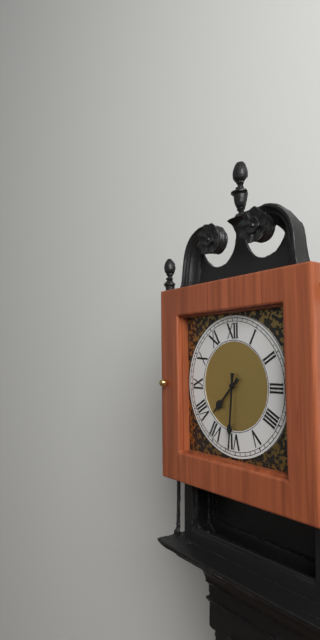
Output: 7.31
